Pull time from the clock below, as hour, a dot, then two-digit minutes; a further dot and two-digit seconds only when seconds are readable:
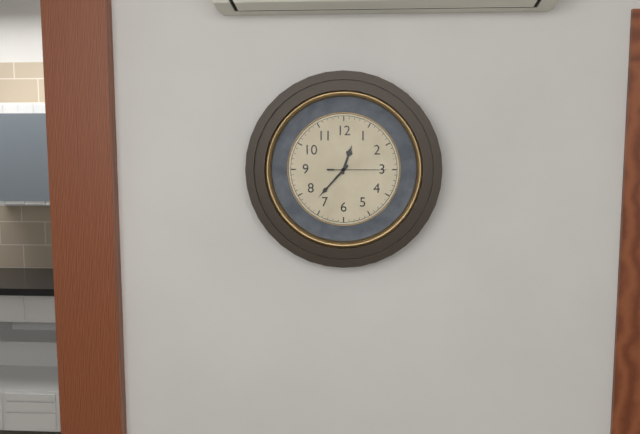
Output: 12.37.15
